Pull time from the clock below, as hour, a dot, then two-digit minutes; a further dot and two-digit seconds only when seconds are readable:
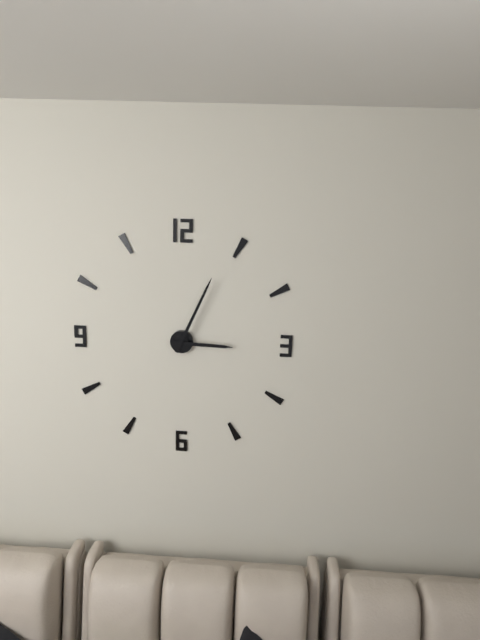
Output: 3.04
